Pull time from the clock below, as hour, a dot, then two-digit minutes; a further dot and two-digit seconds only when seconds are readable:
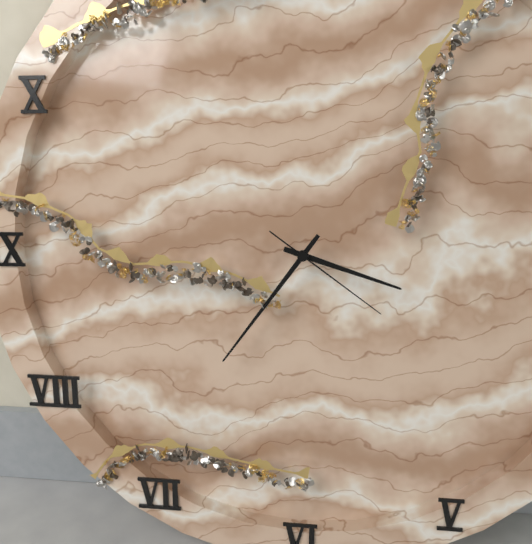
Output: 3.36.21
